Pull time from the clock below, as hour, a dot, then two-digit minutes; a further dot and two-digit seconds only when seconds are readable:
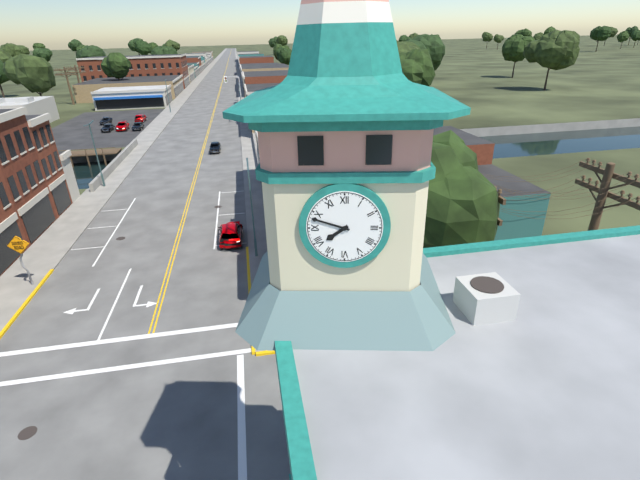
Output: 7.48
